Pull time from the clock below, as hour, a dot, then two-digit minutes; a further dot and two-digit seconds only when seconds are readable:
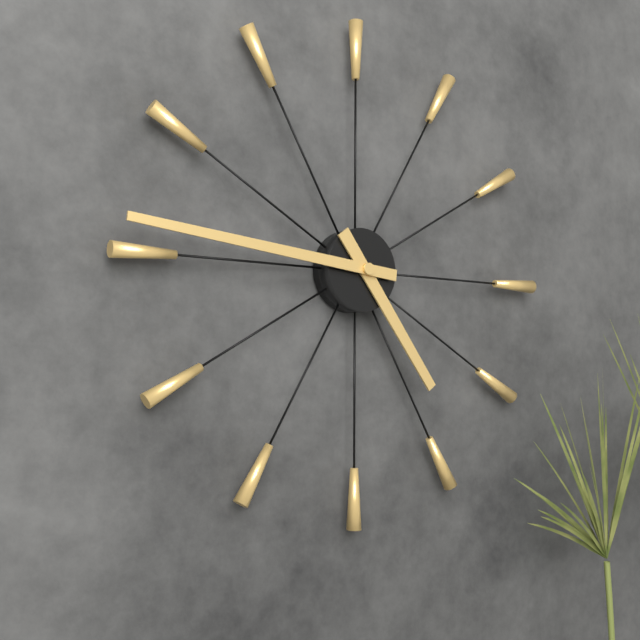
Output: 4.46
